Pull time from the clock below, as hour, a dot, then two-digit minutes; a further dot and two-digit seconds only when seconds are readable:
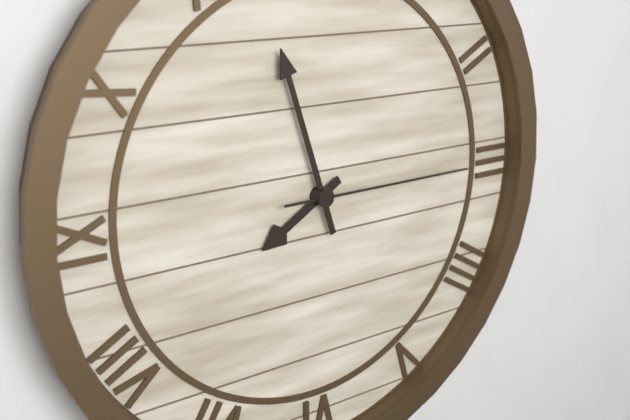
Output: 7.57.15
